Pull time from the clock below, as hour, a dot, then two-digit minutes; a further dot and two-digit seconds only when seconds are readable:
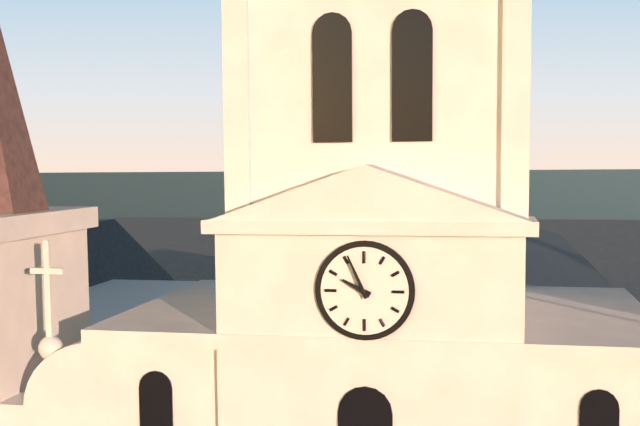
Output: 9.56
